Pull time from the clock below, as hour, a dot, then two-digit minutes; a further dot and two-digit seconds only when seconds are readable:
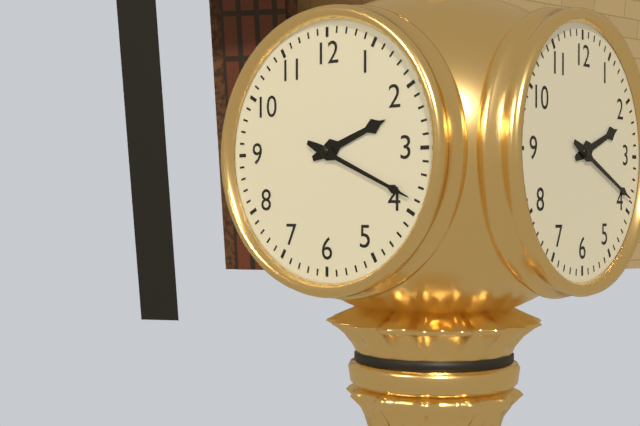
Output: 2.19
